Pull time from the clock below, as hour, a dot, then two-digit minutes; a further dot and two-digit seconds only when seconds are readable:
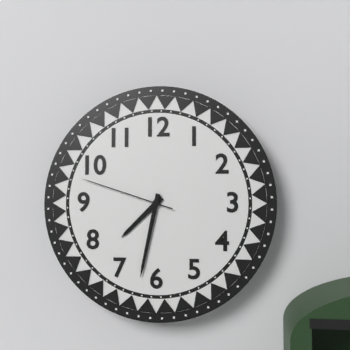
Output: 7.32.48
